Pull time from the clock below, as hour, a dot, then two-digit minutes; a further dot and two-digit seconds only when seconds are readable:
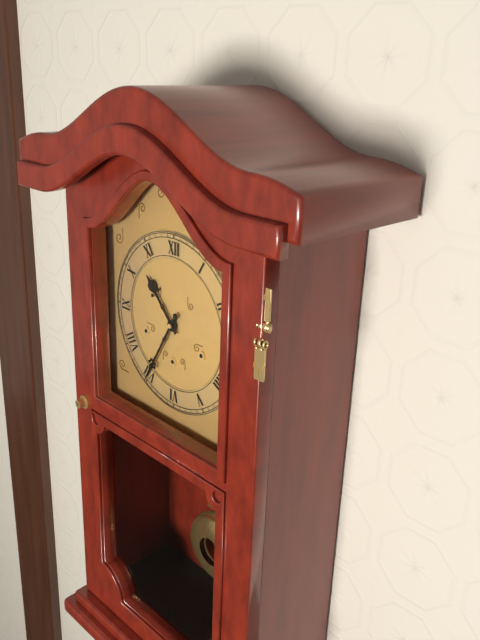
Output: 10.35
